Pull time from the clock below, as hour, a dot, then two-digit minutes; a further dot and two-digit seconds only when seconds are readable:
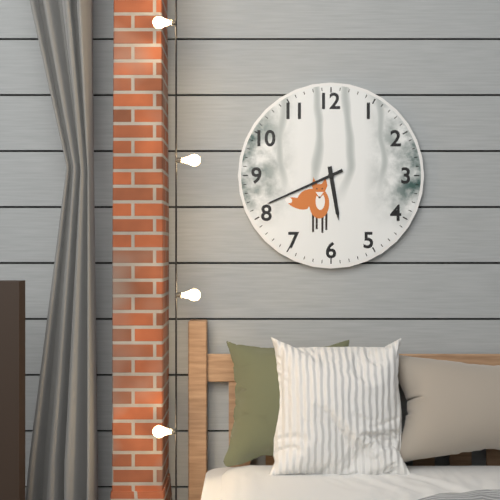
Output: 5.41
